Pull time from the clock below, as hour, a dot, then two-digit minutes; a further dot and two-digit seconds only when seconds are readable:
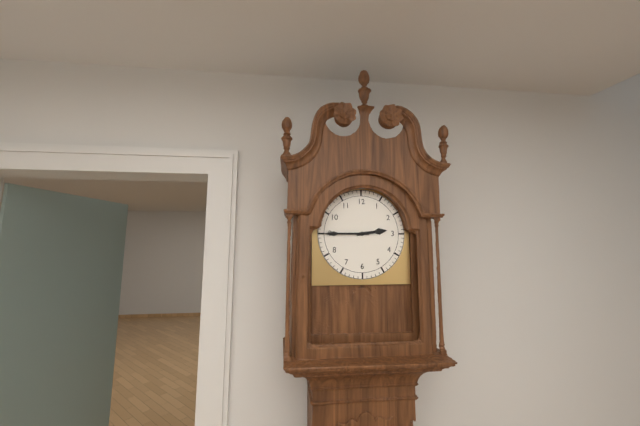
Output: 2.45
